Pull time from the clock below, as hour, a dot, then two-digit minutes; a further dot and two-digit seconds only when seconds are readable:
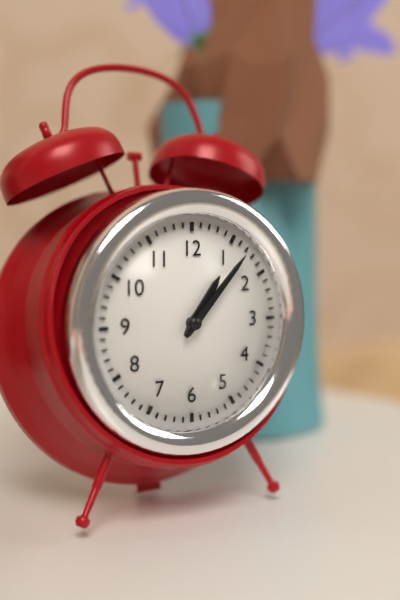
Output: 1.07
